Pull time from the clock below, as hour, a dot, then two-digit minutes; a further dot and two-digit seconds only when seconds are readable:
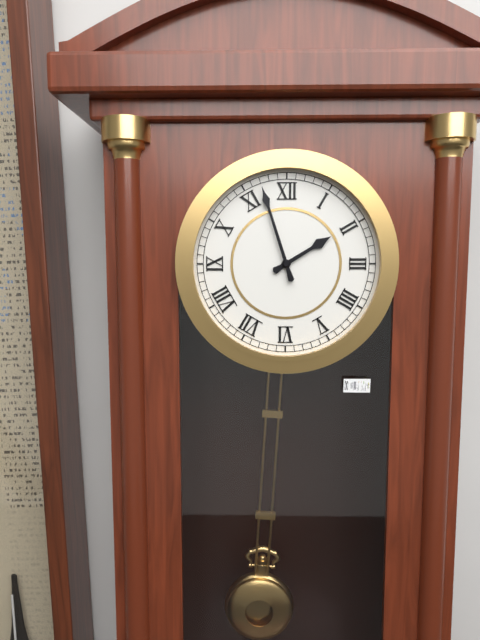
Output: 1.57
